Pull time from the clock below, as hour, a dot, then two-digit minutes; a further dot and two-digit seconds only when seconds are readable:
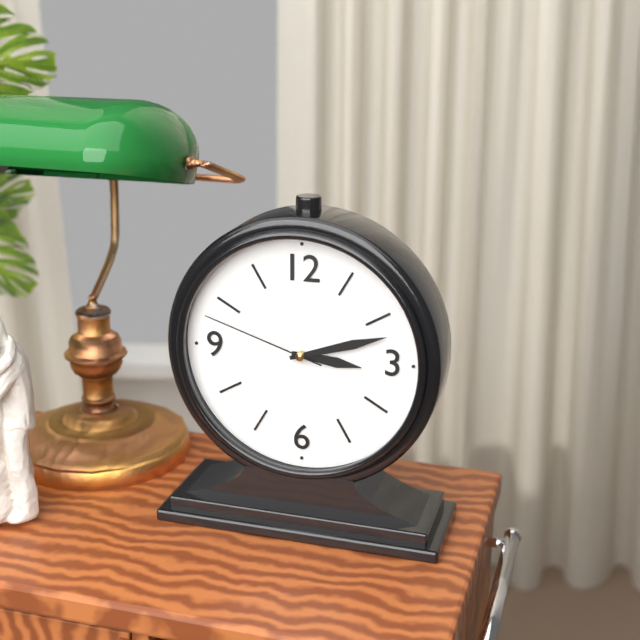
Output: 3.12.48
